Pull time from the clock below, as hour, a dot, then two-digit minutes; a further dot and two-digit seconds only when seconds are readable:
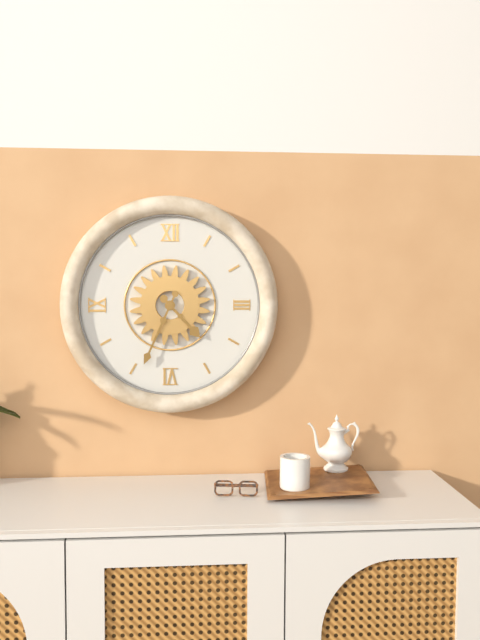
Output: 4.34
